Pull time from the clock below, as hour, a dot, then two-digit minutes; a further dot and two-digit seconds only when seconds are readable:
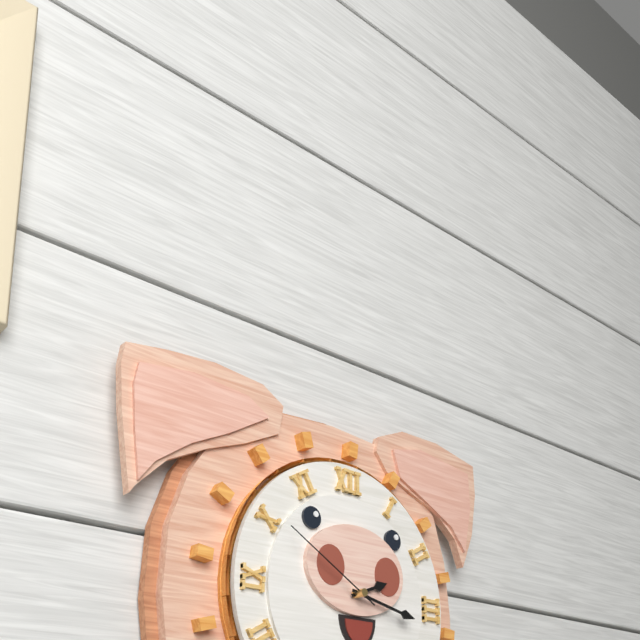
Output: 2.17.50
